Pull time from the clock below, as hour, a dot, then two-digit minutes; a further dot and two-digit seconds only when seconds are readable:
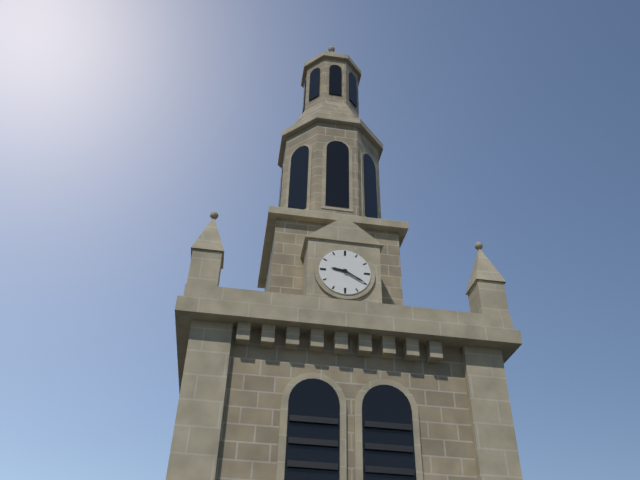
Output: 9.20
